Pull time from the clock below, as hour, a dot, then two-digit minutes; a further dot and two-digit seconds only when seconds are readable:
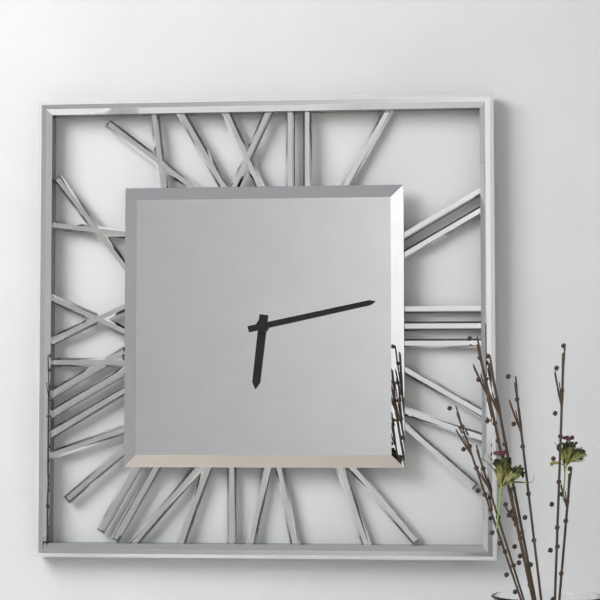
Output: 6.13
